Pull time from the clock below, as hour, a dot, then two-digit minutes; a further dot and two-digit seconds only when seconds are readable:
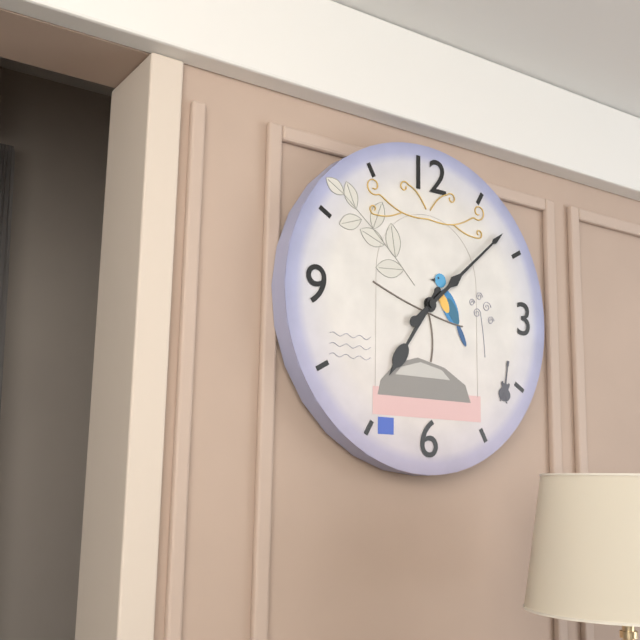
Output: 7.08
